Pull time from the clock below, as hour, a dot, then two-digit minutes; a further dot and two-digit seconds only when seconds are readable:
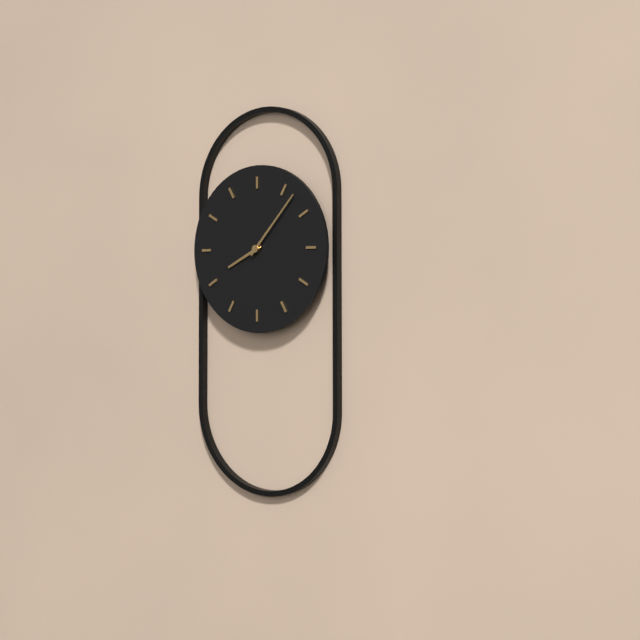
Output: 8.07
